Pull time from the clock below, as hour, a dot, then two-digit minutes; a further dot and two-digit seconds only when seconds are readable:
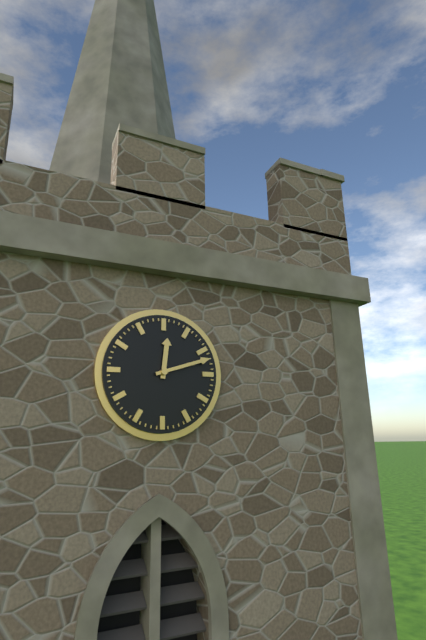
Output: 12.12
